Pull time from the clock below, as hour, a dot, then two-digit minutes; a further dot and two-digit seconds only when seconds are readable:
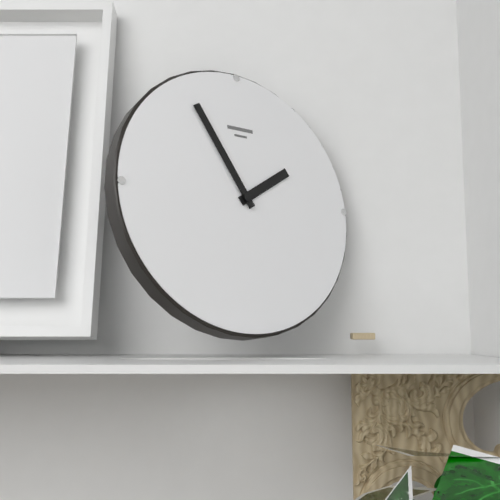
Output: 1.55
